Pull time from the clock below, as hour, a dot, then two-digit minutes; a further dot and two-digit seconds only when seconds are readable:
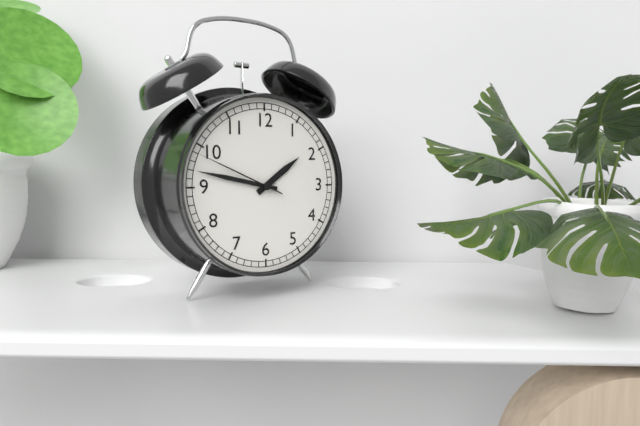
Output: 1.47.49
